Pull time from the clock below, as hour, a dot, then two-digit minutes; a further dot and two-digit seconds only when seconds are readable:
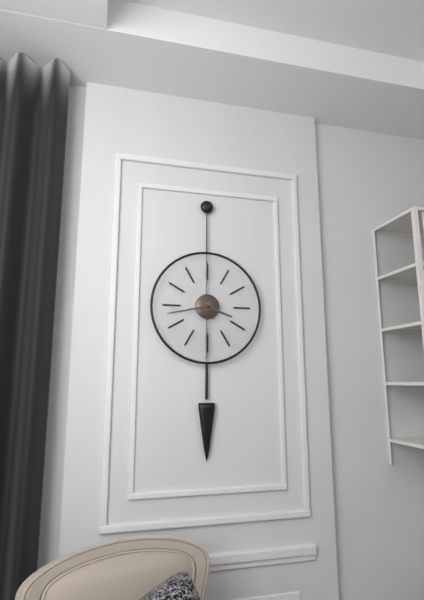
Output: 3.43
